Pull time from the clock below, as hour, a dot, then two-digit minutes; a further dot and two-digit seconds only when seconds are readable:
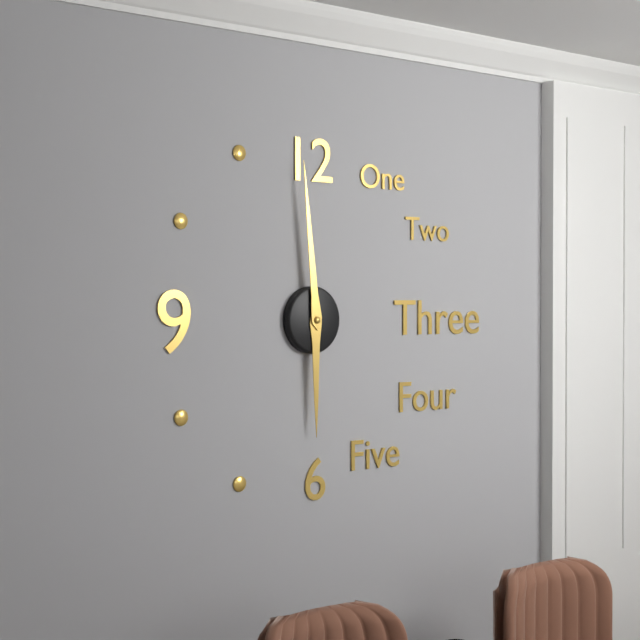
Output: 5.59
